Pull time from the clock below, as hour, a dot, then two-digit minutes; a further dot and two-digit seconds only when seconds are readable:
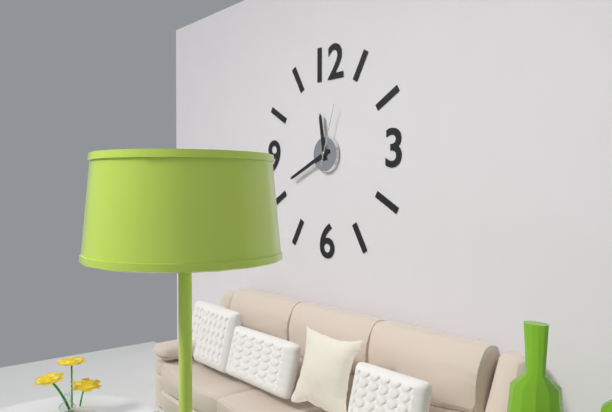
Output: 11.41.03
